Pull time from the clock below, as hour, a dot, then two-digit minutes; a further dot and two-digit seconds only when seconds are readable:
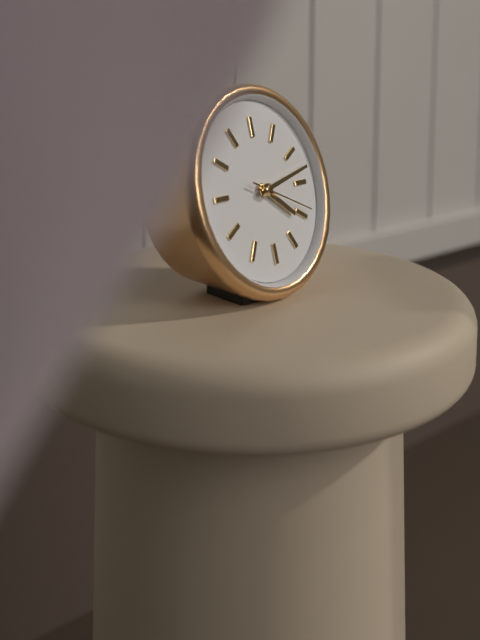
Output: 4.13.19
